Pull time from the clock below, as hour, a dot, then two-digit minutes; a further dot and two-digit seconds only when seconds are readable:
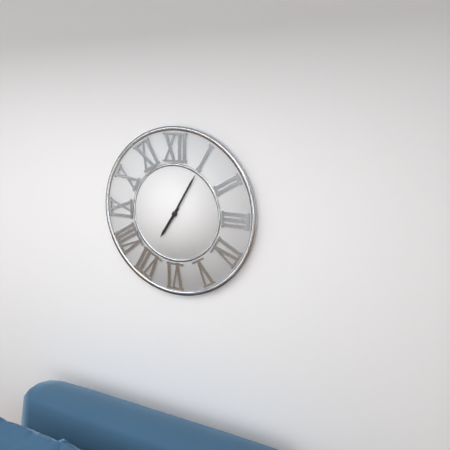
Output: 7.05
